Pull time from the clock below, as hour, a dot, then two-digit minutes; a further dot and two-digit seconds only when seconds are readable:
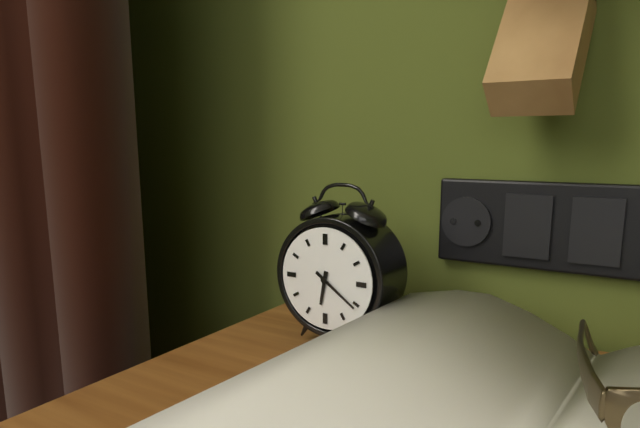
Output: 6.21
